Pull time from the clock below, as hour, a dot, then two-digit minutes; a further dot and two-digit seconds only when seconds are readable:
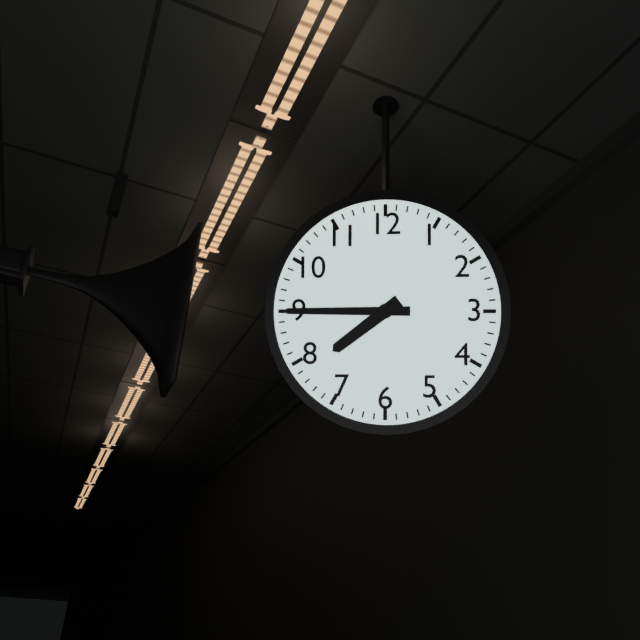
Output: 7.45
